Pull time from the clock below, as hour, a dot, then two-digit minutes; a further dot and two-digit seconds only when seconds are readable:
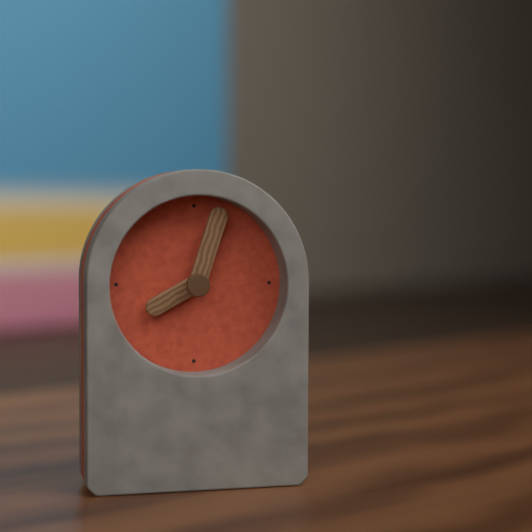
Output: 8.03
